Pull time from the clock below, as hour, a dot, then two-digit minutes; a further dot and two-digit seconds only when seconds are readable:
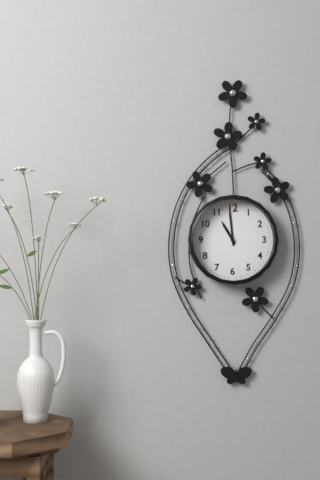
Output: 10.59
